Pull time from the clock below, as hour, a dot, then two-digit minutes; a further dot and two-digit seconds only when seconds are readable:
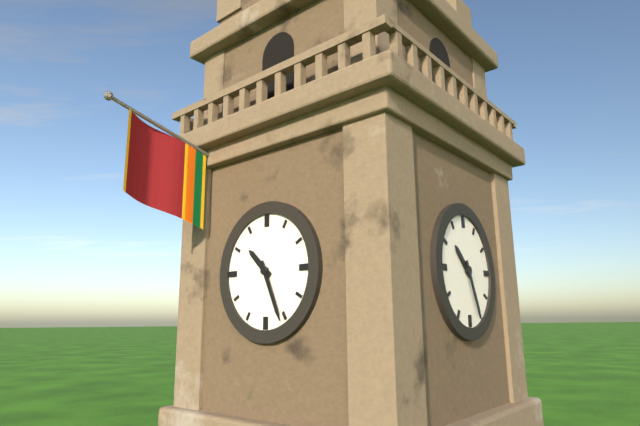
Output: 10.26
